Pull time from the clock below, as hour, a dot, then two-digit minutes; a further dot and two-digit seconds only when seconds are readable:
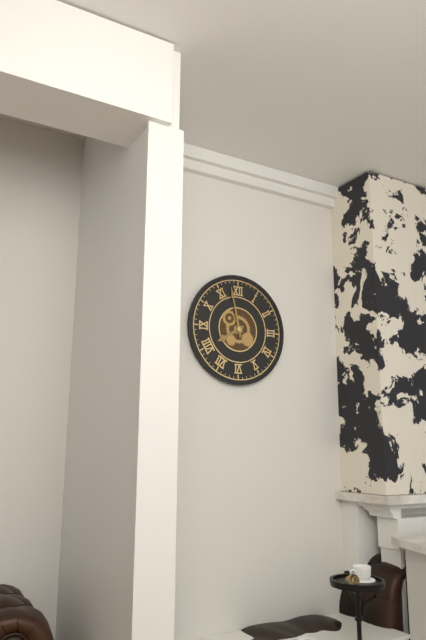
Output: 7.58
